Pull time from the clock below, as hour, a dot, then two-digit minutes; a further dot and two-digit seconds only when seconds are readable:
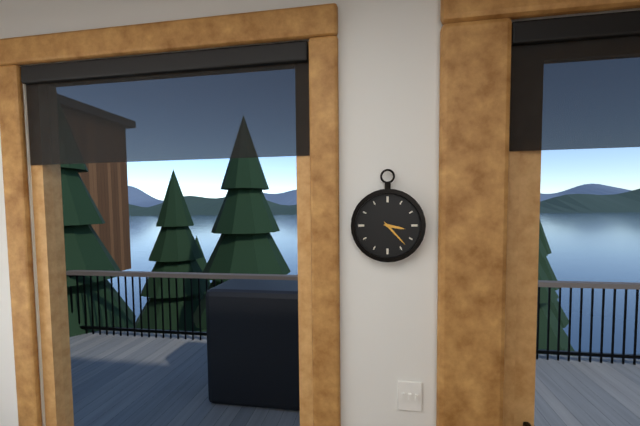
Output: 3.23
